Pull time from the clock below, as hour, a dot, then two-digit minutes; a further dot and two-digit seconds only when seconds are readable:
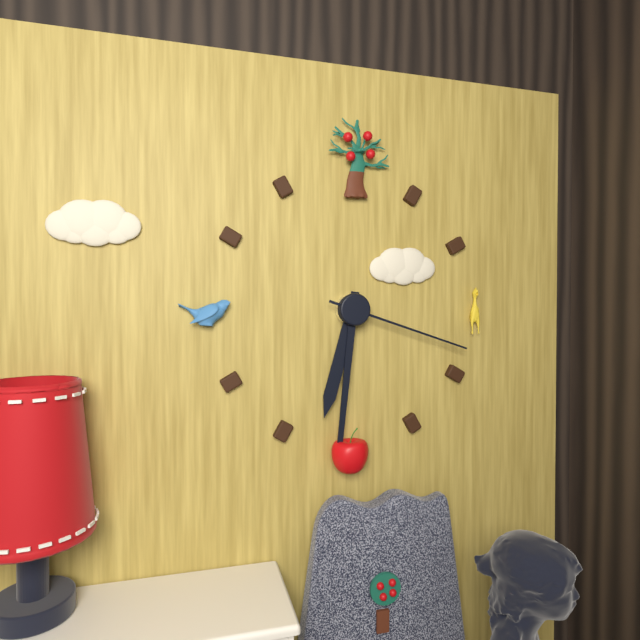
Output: 6.31.18
